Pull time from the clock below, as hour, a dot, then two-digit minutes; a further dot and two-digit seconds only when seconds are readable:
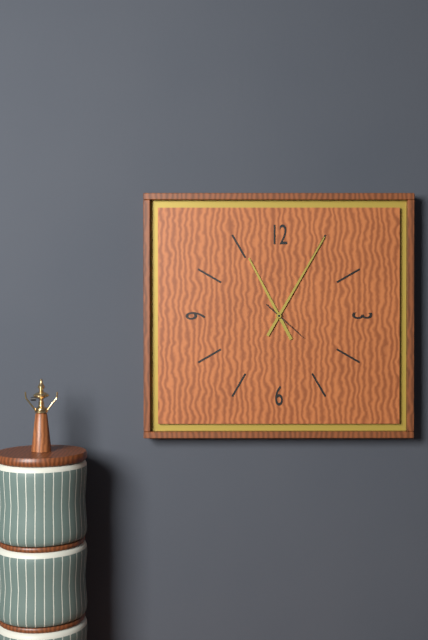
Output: 11.05
